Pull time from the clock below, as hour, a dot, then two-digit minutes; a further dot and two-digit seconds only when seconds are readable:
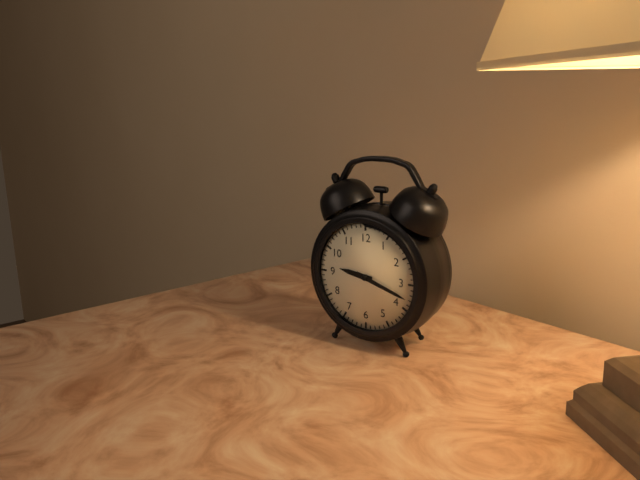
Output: 9.18
